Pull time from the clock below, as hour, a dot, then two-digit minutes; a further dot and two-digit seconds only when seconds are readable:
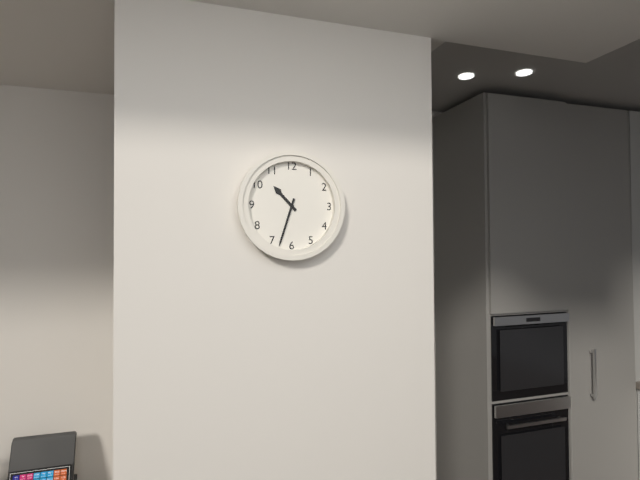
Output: 10.33
